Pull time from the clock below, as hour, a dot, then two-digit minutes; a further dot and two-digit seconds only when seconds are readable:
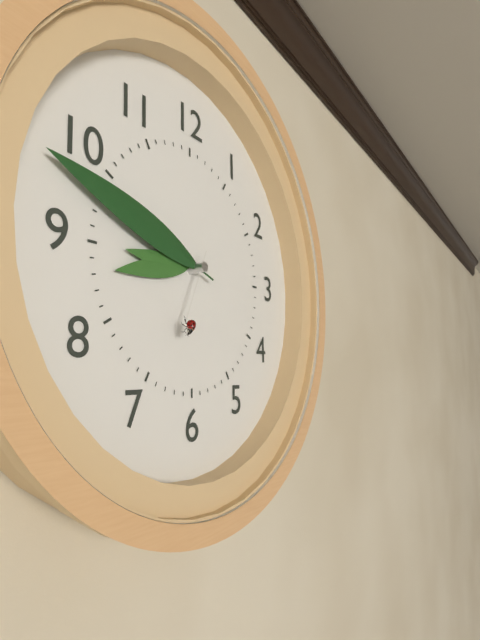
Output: 8.48.34
